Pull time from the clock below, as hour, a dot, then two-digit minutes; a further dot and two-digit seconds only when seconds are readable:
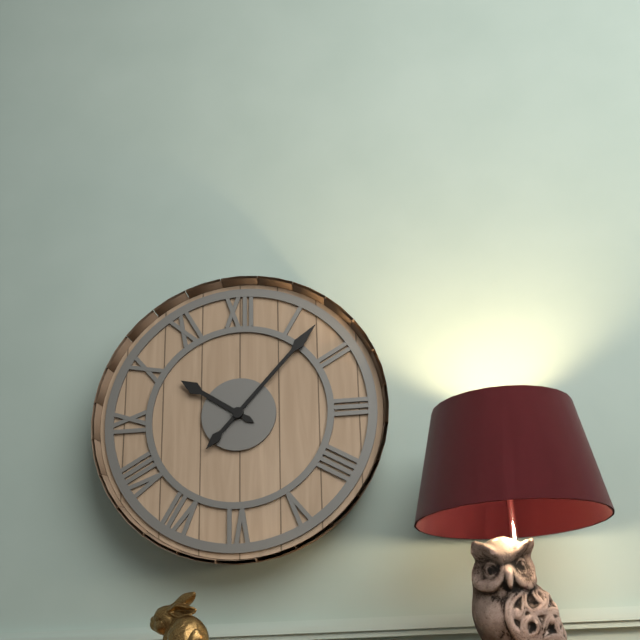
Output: 10.07
